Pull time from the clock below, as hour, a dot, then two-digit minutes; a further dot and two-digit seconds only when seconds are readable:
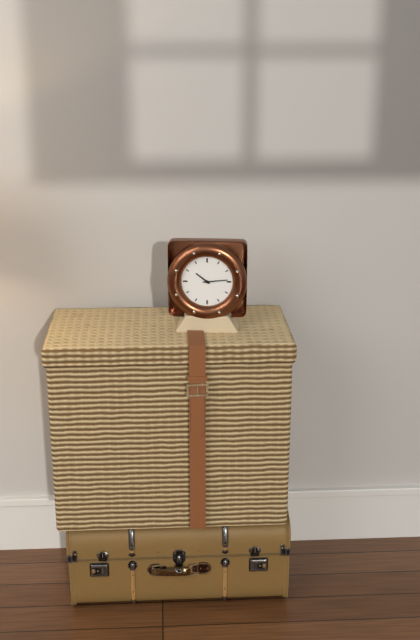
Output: 10.14
